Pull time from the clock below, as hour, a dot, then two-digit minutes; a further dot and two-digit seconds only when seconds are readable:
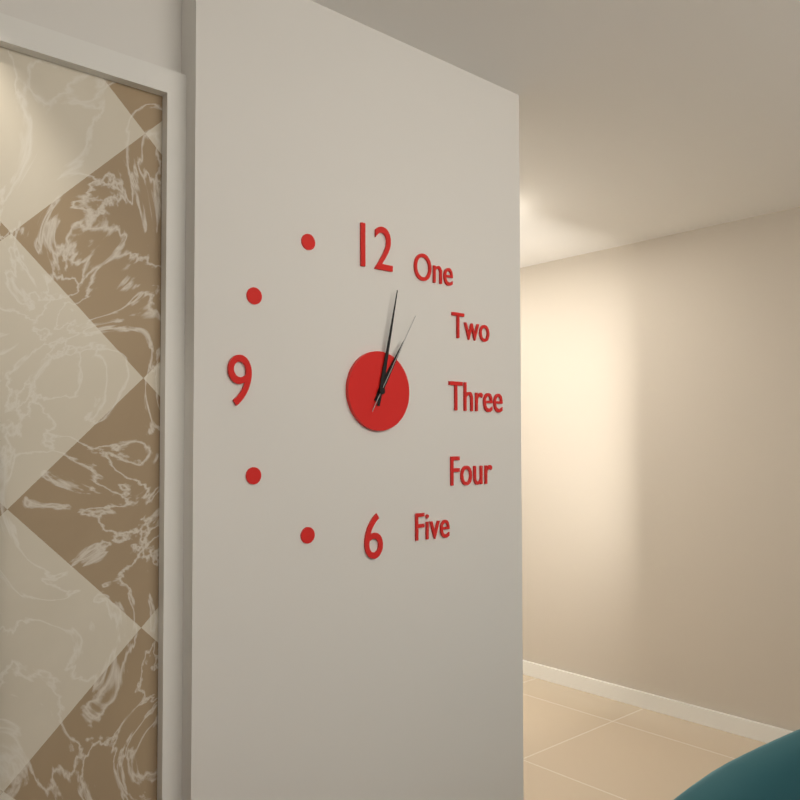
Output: 1.02.05
